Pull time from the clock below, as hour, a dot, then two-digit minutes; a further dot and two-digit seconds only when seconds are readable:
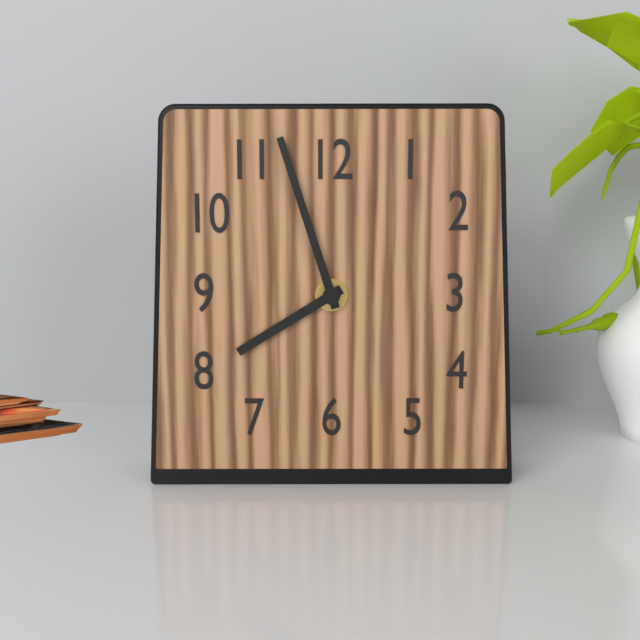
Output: 7.57
